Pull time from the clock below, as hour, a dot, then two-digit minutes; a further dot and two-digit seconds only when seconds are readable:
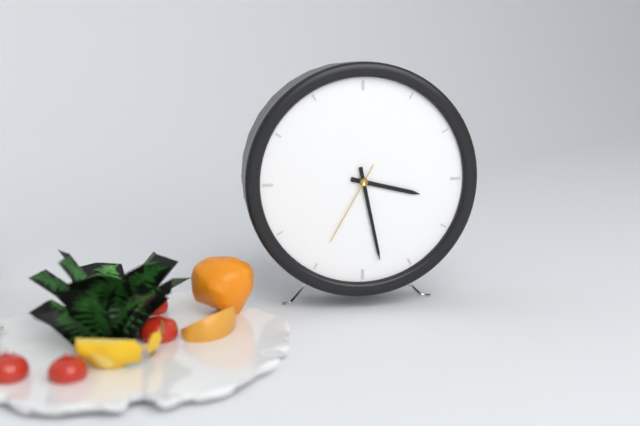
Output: 3.28.35
